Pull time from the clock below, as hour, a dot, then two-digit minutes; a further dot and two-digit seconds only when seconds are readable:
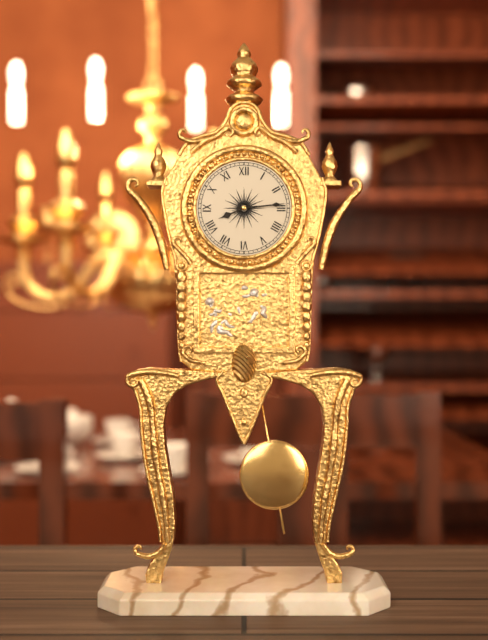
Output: 8.14
